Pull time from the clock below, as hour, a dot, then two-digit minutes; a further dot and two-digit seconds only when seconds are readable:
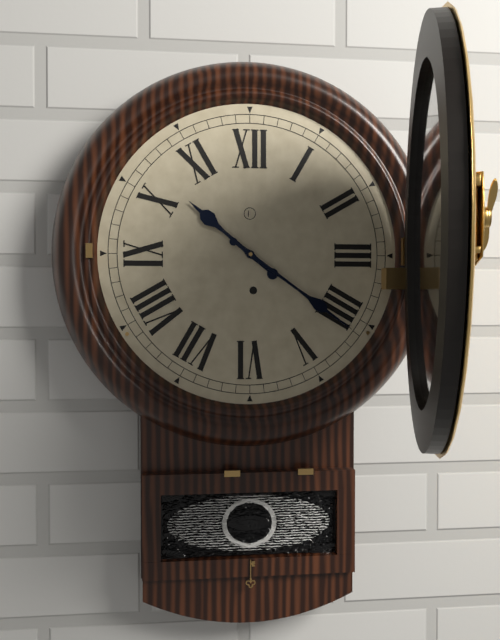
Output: 10.21
